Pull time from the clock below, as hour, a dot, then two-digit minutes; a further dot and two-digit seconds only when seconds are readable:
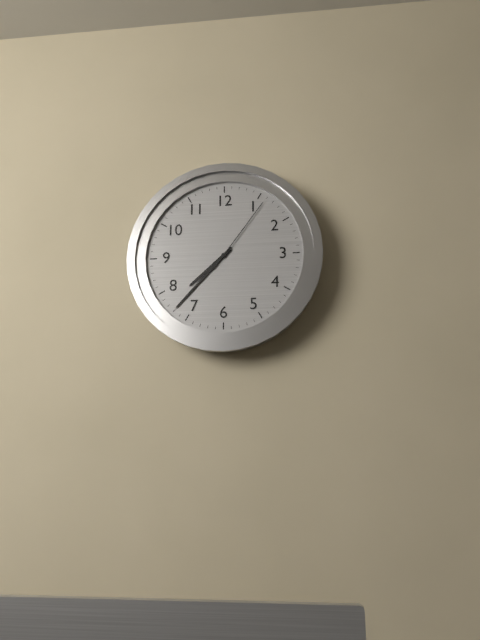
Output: 7.37.06
